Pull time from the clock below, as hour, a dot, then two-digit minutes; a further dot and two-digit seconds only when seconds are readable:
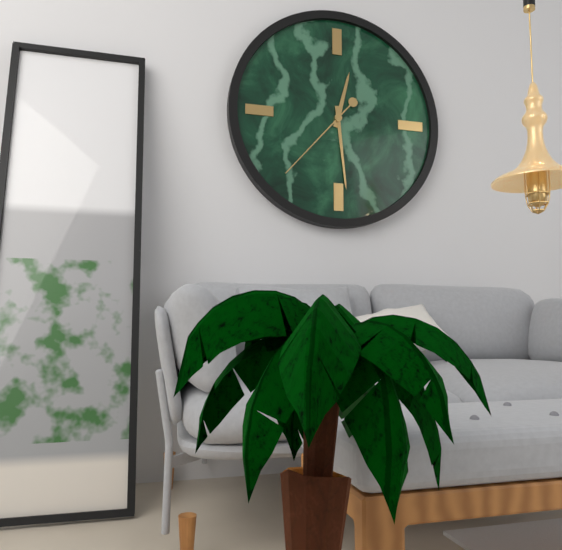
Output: 12.29.37
